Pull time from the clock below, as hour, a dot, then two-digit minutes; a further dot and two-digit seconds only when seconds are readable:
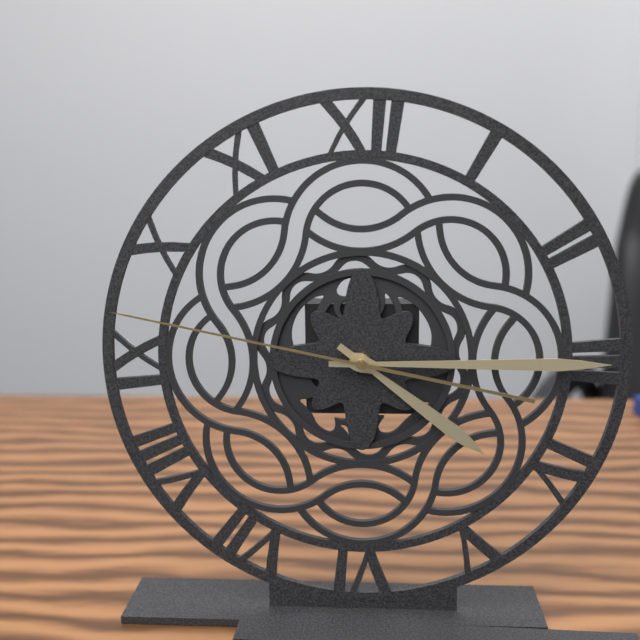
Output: 4.15.47
